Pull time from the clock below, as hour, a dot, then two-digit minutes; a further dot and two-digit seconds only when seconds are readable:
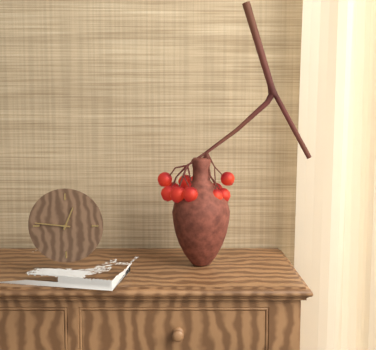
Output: 12.46
